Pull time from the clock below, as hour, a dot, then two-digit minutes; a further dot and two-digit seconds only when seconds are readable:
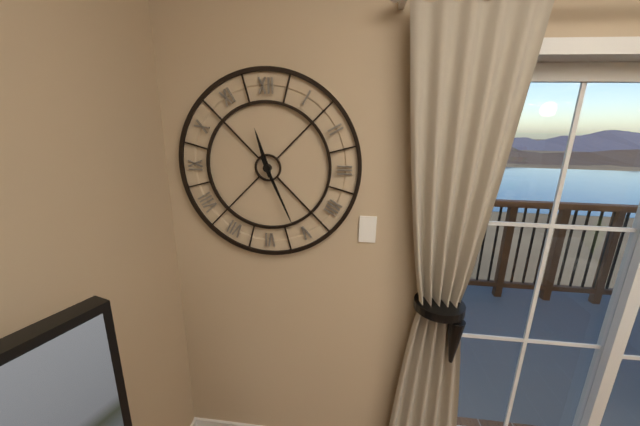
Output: 11.26
